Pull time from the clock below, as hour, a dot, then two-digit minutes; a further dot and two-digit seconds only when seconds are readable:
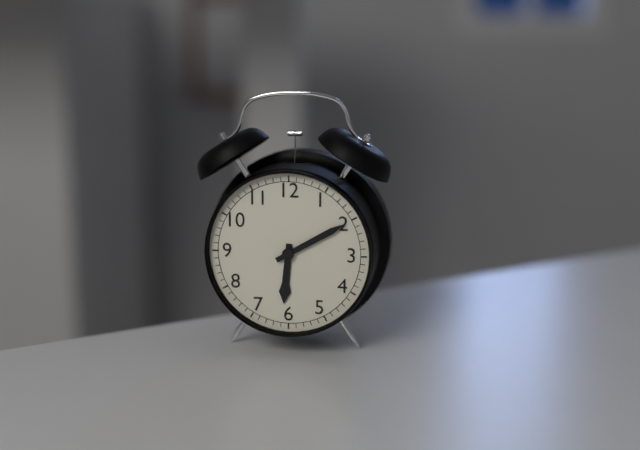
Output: 6.10
